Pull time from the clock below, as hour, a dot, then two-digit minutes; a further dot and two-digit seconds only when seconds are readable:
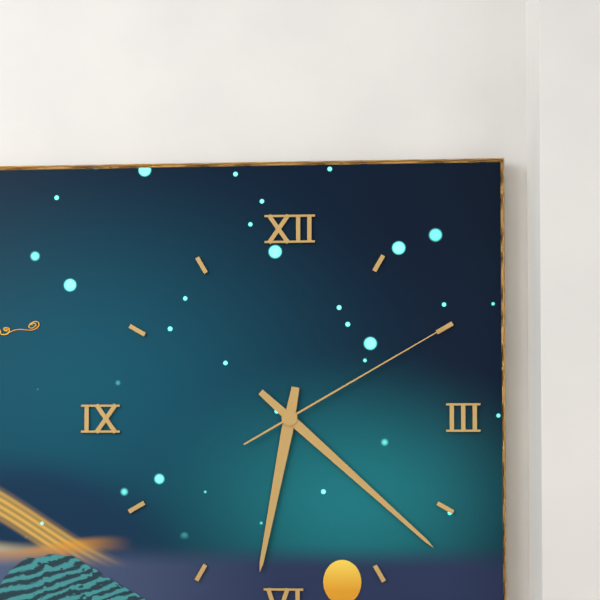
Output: 6.22.10
